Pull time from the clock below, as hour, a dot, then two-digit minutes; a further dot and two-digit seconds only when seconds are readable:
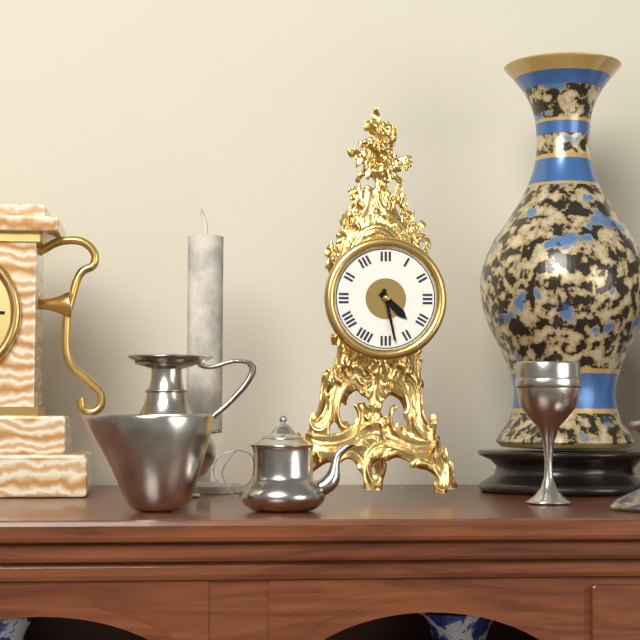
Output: 4.28
